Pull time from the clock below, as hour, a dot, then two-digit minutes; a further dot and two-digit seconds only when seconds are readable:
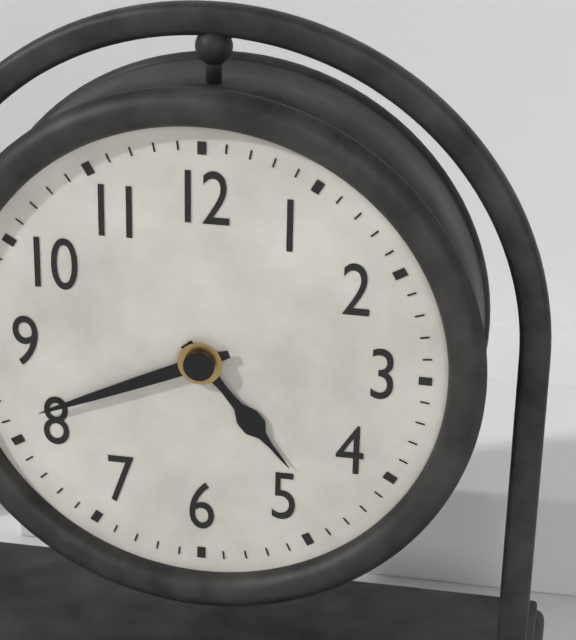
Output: 4.41
